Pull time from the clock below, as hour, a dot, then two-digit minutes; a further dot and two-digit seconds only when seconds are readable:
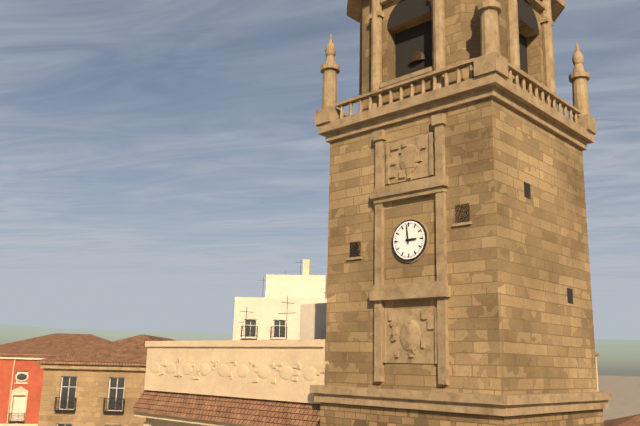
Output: 2.59
